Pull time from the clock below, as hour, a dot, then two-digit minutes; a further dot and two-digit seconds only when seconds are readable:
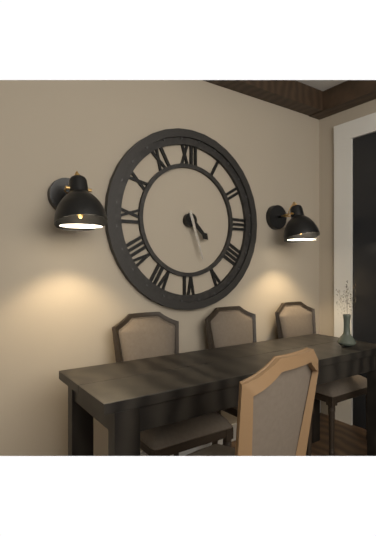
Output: 4.27
